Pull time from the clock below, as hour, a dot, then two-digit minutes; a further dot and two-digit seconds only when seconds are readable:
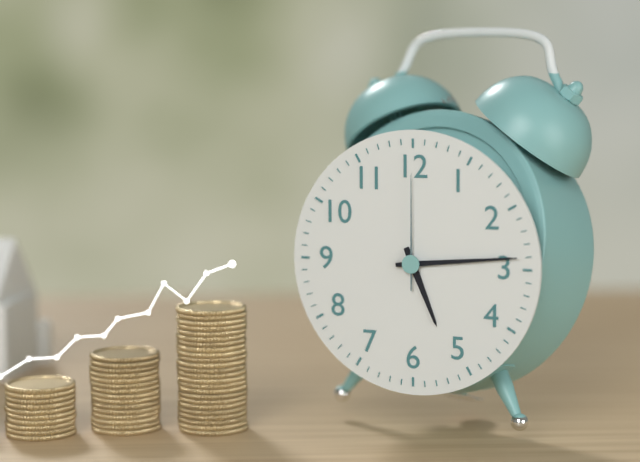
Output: 5.14.00
